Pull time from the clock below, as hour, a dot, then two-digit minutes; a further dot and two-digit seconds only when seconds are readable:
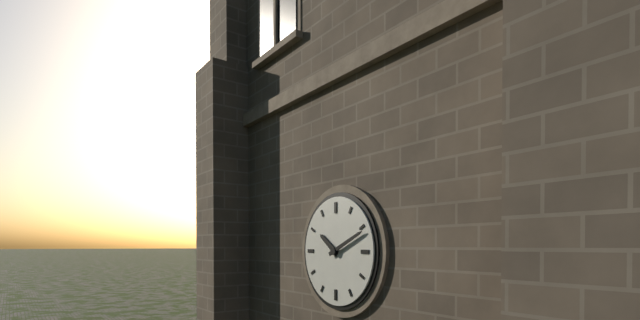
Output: 10.11
